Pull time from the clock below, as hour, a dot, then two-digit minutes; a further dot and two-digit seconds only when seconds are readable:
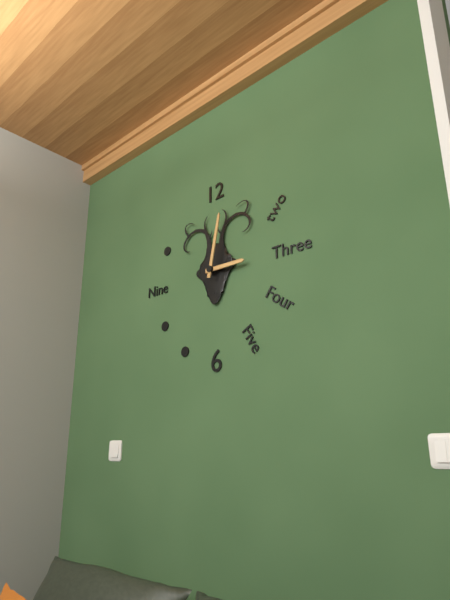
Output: 3.02
